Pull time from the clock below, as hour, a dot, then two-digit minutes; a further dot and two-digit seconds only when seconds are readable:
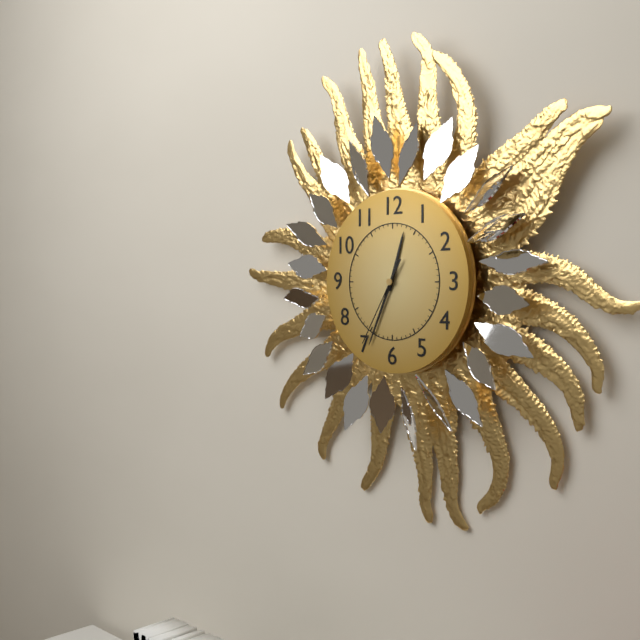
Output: 12.34.35
